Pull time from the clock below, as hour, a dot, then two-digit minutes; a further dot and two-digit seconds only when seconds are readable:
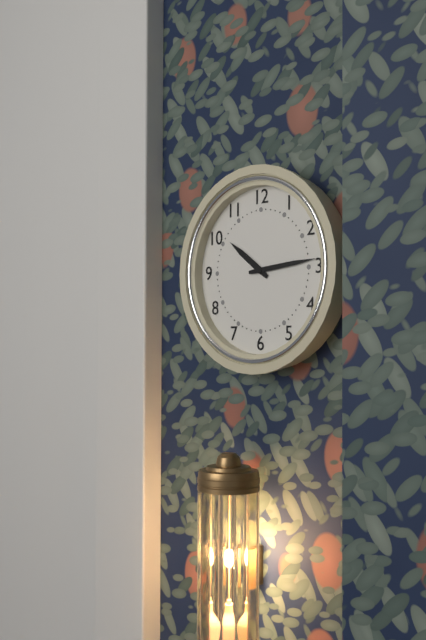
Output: 10.14
